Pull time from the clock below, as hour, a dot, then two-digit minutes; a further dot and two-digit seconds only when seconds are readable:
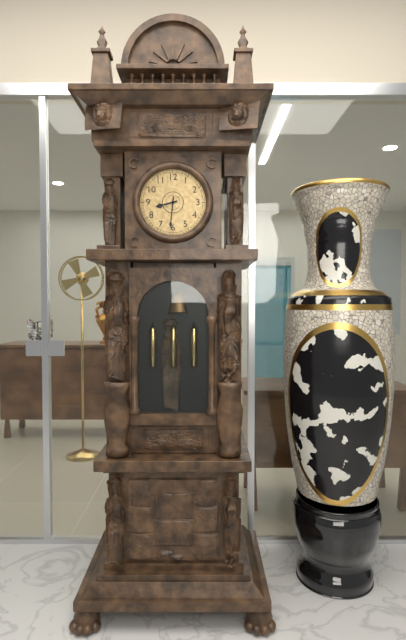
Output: 8.31
